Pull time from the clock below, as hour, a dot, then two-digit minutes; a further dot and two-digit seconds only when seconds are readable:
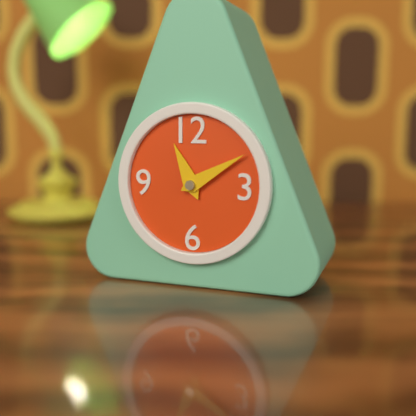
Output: 11.10
